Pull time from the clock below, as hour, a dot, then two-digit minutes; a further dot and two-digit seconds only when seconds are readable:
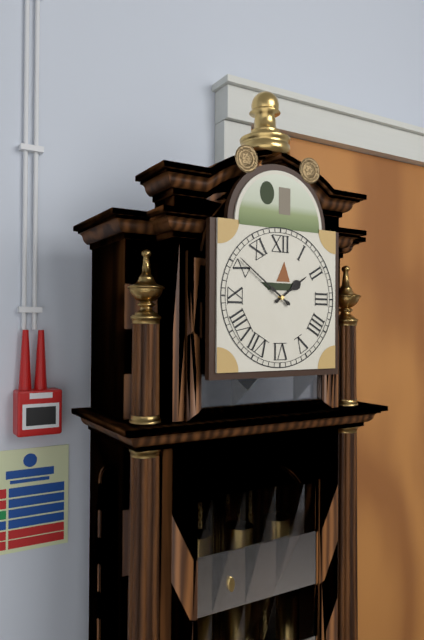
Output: 1.51
